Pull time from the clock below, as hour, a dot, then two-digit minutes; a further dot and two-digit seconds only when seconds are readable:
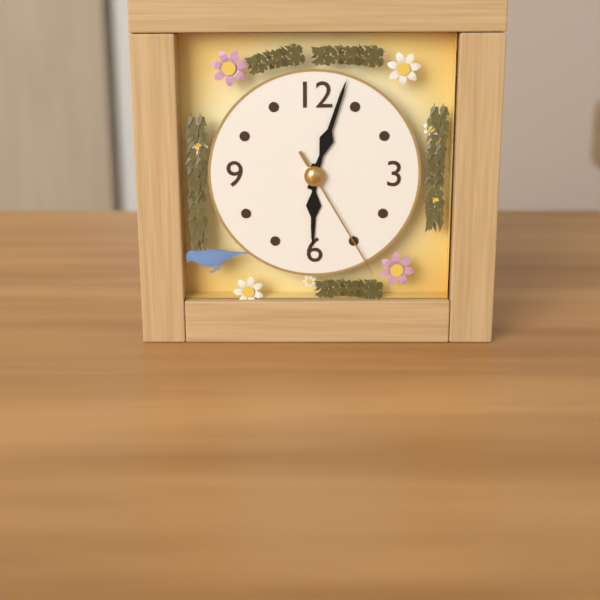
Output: 6.03.25
